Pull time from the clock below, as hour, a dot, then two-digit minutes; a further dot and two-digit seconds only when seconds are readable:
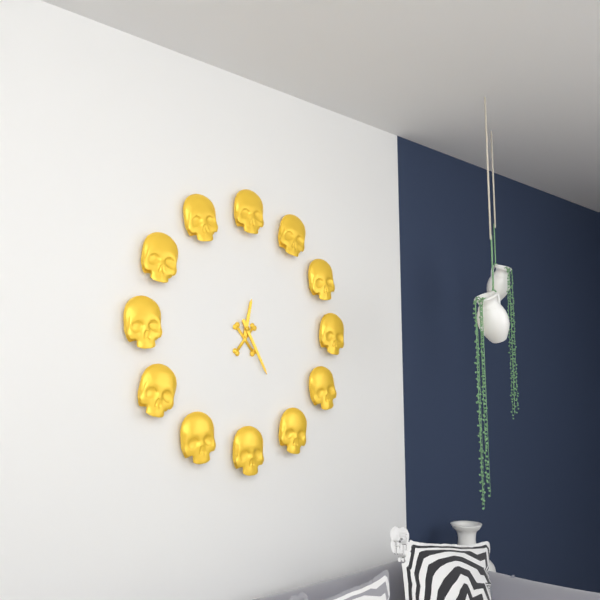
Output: 12.25
